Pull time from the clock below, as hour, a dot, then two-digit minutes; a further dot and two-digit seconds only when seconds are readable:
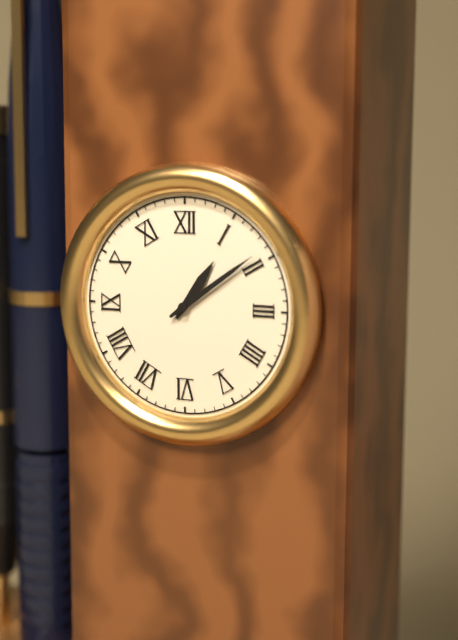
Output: 1.09
